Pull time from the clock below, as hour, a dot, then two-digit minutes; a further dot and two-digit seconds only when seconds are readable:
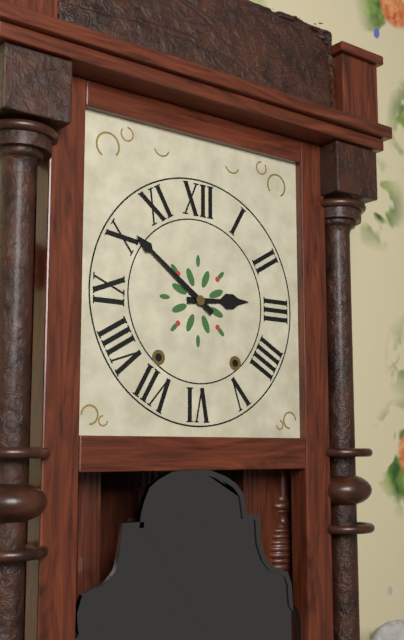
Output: 2.51
